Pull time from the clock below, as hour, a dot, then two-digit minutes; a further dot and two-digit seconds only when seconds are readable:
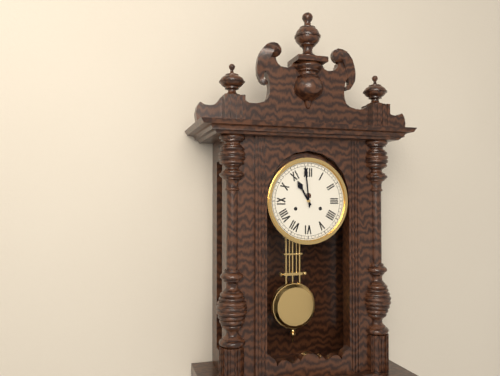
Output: 10.59
